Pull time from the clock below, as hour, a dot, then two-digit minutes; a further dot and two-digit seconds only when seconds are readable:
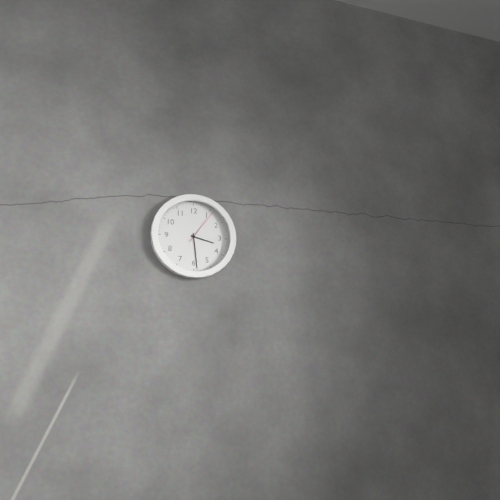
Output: 3.29
